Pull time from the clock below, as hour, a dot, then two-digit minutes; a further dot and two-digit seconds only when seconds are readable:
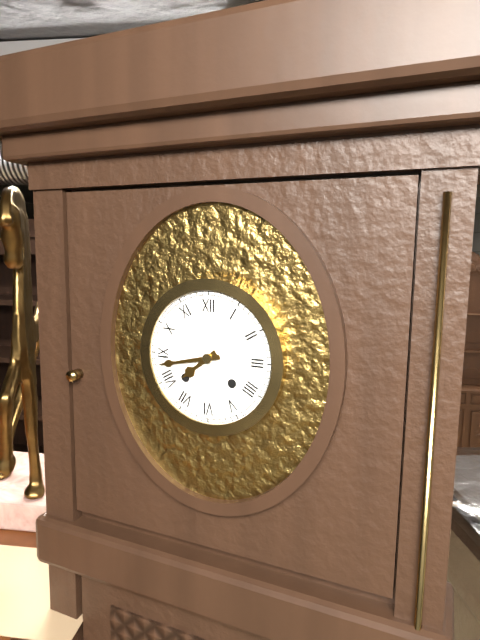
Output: 7.43
